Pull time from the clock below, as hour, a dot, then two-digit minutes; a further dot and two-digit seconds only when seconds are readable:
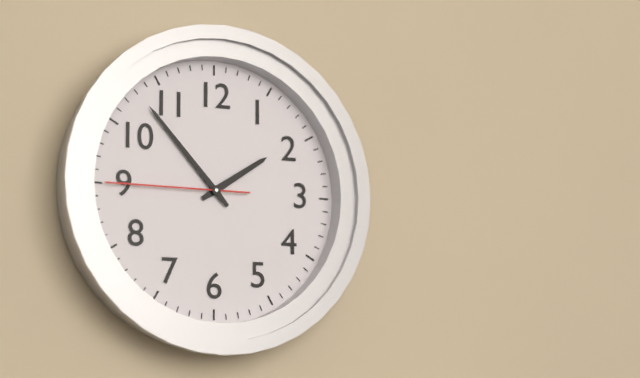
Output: 1.53.45
